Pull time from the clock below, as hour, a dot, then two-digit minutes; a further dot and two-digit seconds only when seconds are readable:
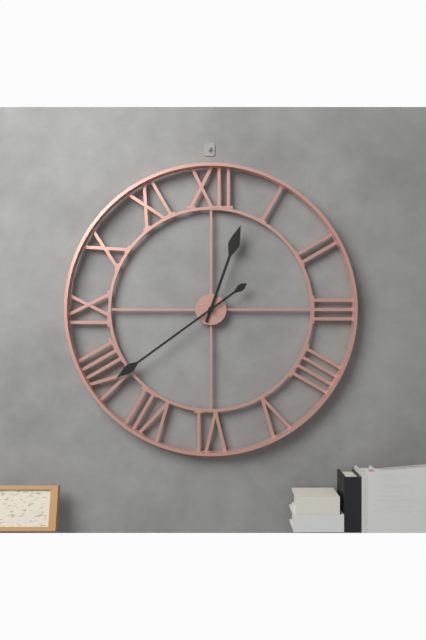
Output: 12.39
